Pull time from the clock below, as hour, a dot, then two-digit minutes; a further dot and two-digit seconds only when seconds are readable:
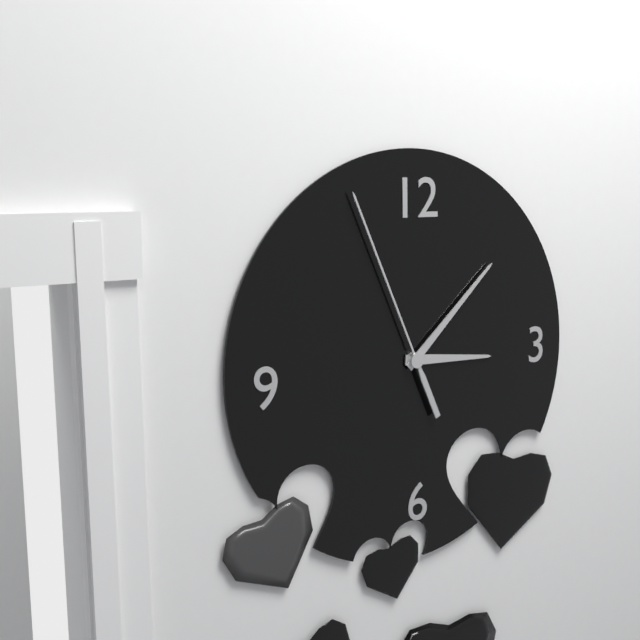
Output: 3.08.56
